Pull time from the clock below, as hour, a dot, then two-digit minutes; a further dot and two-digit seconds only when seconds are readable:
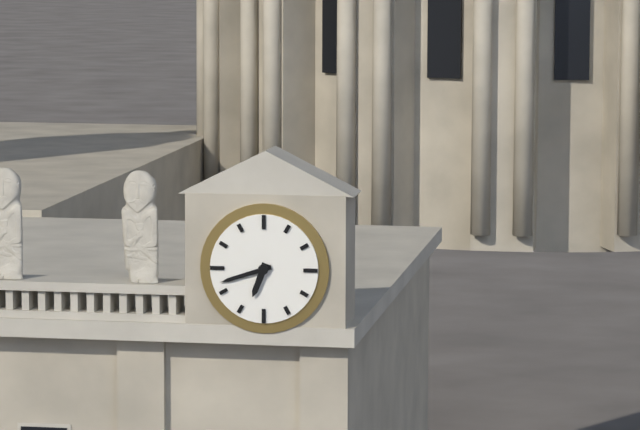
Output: 6.42
